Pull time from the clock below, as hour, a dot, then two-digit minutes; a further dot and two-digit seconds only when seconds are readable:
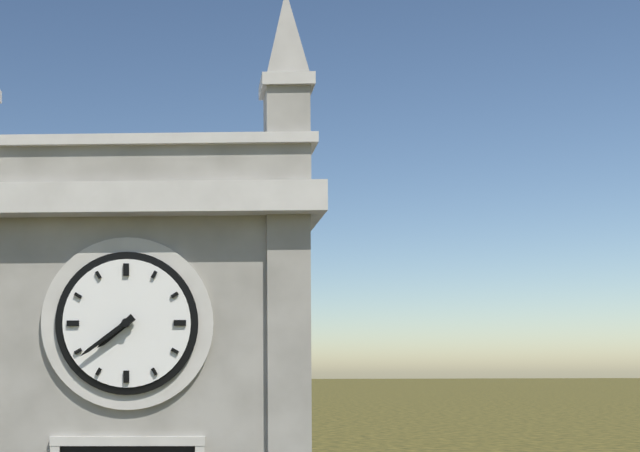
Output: 7.39
